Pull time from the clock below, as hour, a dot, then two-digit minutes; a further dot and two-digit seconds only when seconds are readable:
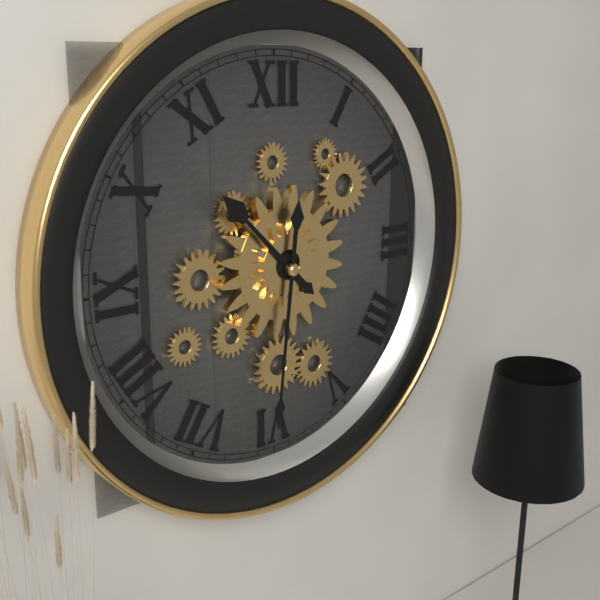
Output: 10.31
